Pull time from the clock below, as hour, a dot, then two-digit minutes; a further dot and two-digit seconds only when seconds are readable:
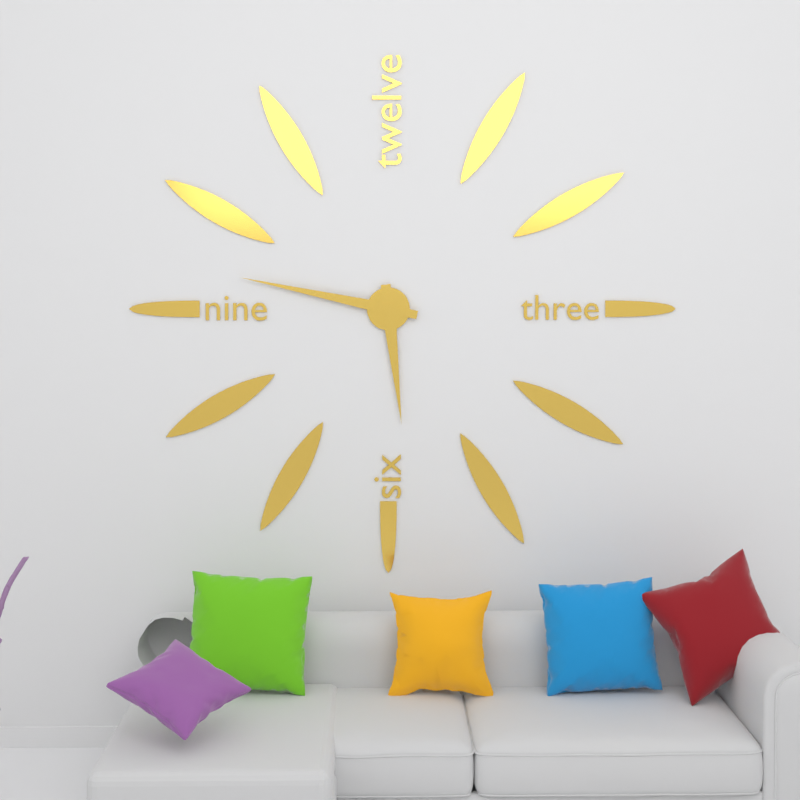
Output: 5.47
